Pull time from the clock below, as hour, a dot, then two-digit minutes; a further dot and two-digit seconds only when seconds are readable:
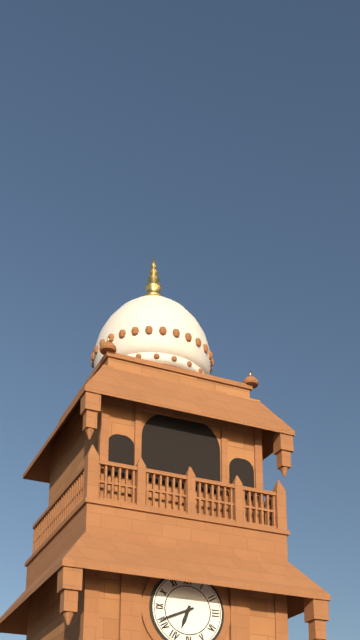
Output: 6.41
